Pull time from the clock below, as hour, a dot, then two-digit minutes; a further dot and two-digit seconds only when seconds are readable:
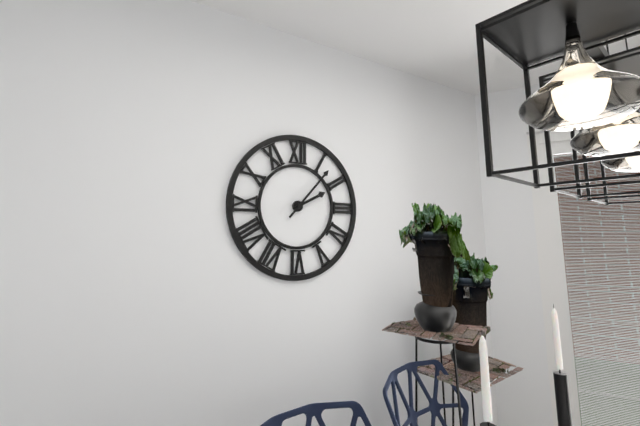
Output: 2.07
